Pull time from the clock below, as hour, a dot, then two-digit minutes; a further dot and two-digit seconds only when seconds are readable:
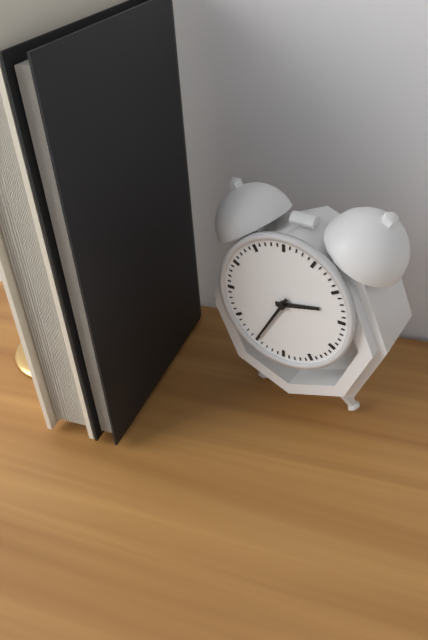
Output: 2.35
